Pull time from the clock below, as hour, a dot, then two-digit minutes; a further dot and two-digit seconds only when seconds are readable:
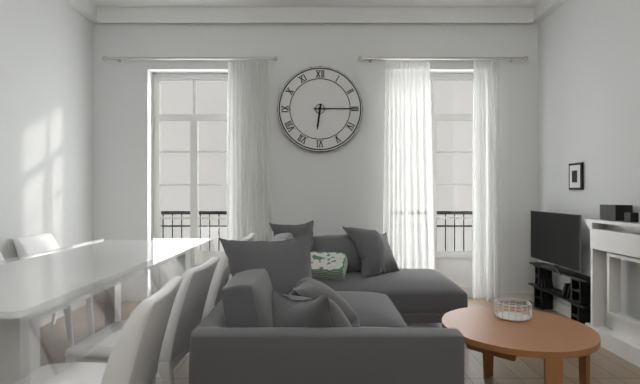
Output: 6.15
